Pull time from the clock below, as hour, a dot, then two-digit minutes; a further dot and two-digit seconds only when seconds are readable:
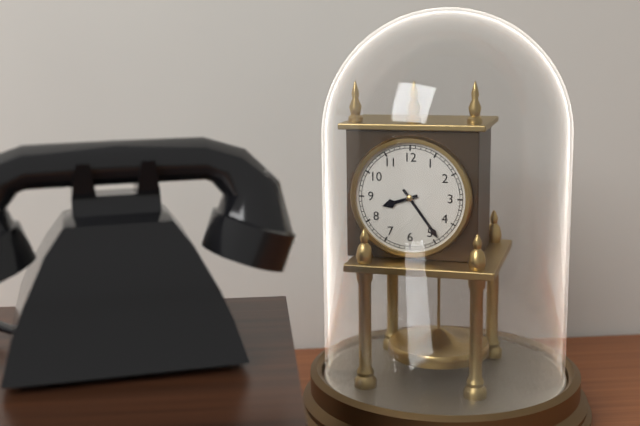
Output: 8.24
